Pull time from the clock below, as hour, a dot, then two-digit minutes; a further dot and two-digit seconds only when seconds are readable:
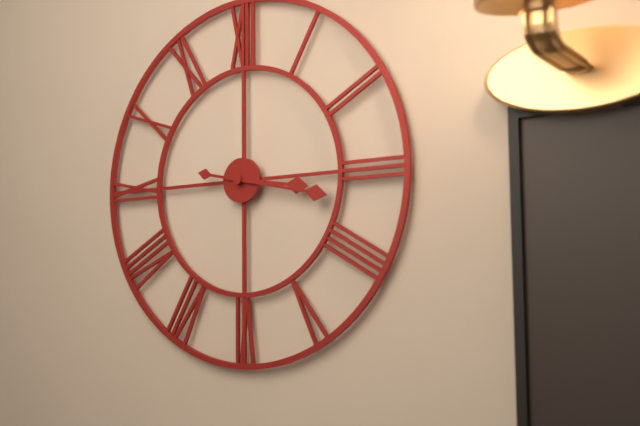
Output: 3.17
